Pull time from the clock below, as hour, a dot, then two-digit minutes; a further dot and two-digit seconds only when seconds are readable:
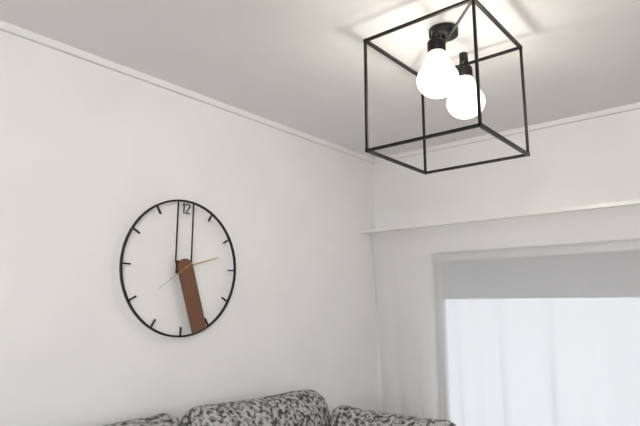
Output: 2.27
